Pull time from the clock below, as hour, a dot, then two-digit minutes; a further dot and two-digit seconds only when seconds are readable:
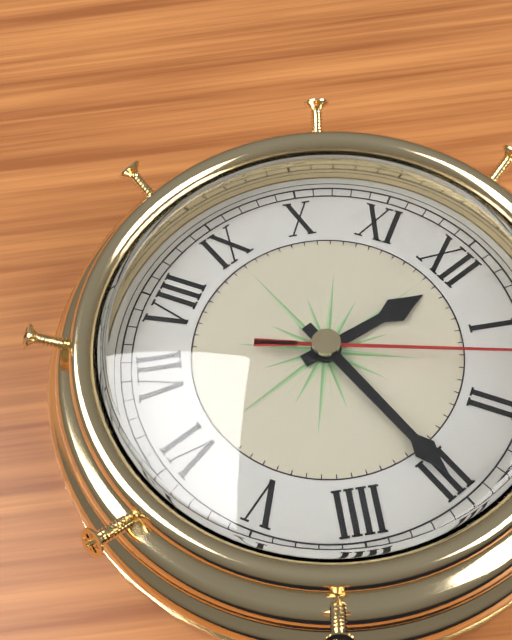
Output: 12.15
